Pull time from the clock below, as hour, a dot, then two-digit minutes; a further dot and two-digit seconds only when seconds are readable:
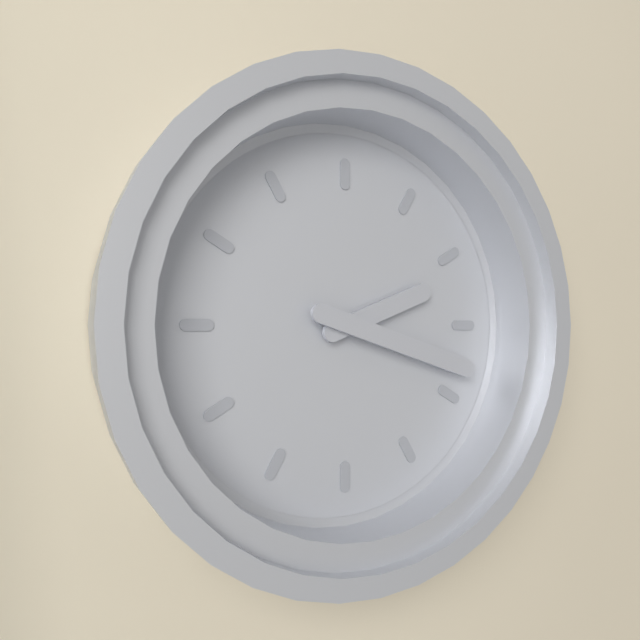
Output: 2.18
